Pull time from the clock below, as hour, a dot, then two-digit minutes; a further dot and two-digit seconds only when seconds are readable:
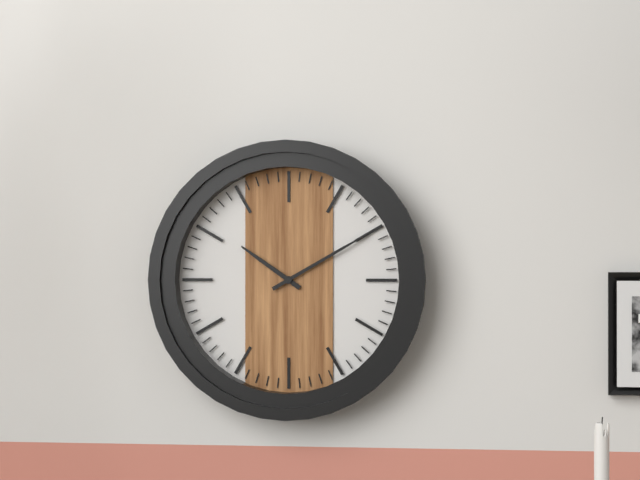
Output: 10.10
